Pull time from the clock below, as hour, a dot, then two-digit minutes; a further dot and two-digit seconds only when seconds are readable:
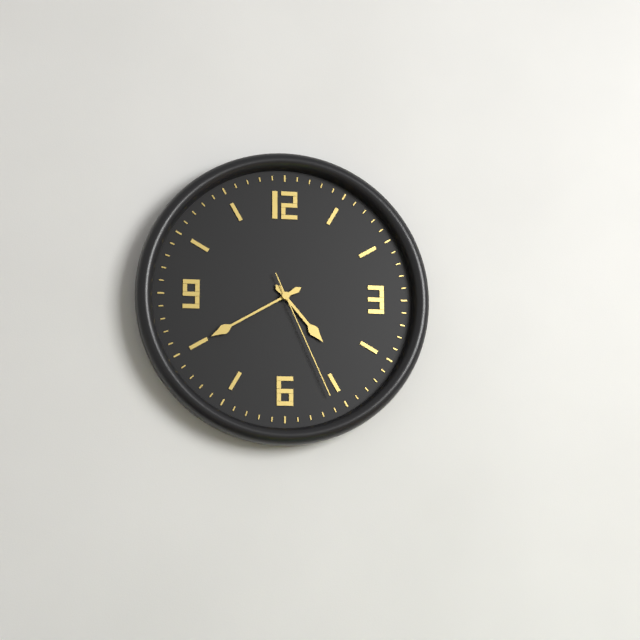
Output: 4.40.26
